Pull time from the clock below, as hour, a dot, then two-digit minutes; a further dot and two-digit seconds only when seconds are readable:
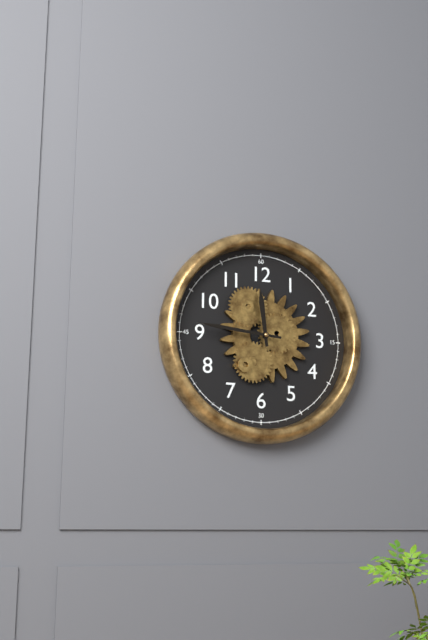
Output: 11.46
